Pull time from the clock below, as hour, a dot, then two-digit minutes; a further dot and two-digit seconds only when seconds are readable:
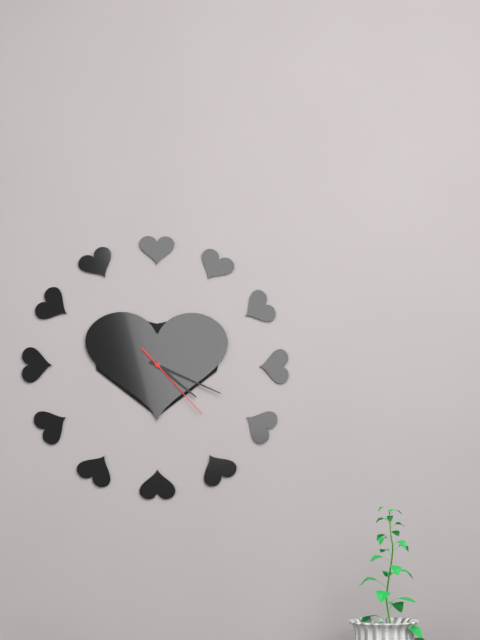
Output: 4.19.23
